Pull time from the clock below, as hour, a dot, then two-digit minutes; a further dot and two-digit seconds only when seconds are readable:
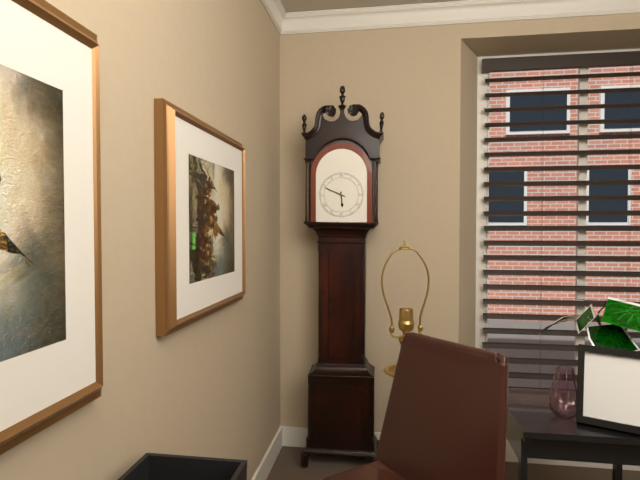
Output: 5.49
